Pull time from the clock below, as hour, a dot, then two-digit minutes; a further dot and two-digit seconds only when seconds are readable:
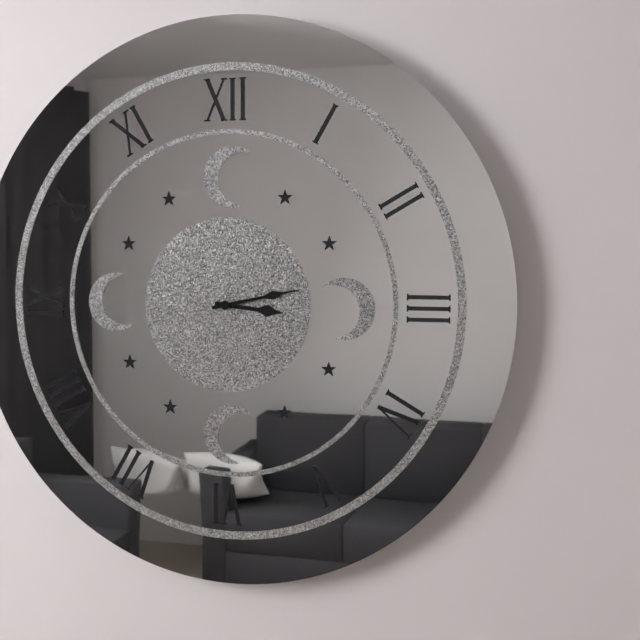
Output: 3.13
